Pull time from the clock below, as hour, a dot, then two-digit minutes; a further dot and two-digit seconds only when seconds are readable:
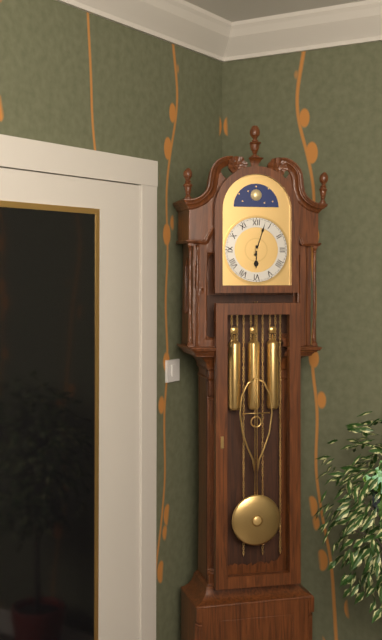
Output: 6.03
